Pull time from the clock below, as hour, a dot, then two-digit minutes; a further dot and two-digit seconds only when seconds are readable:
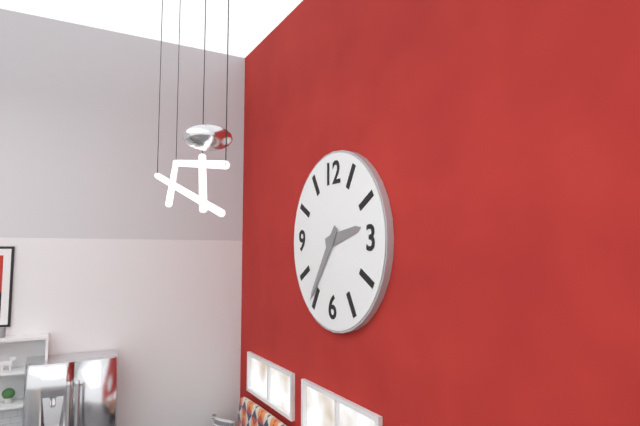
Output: 2.36
